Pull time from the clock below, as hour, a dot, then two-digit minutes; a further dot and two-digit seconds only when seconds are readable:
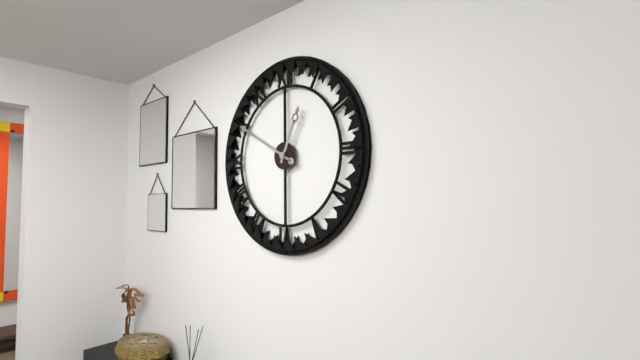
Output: 12.50
